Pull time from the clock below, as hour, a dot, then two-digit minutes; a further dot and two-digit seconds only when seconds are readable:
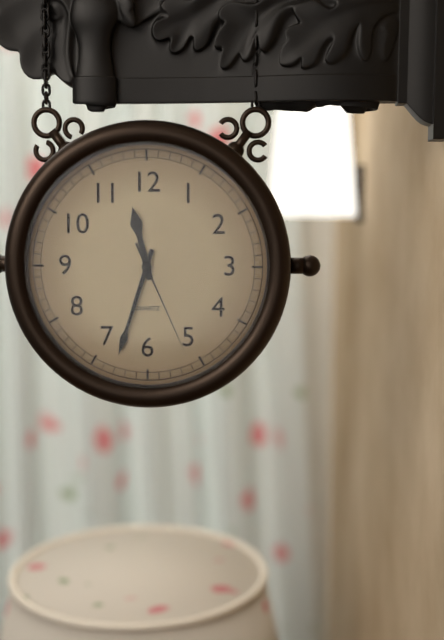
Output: 11.33.26
